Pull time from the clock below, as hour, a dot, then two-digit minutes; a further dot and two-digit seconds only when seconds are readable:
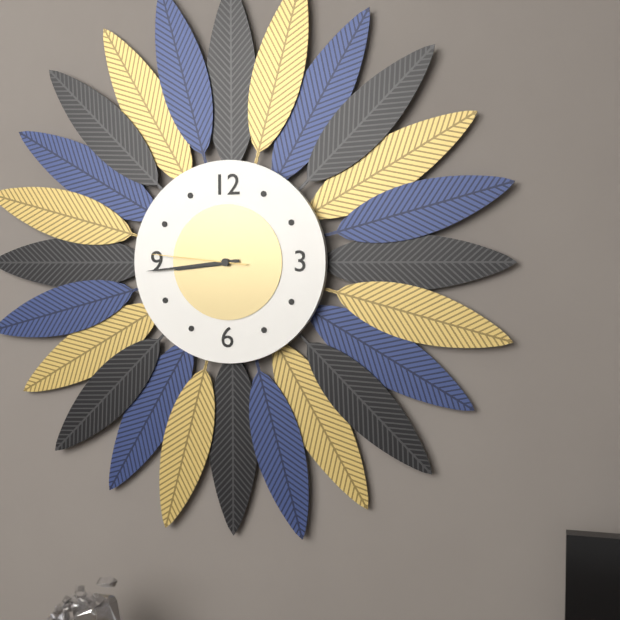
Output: 8.44.46
